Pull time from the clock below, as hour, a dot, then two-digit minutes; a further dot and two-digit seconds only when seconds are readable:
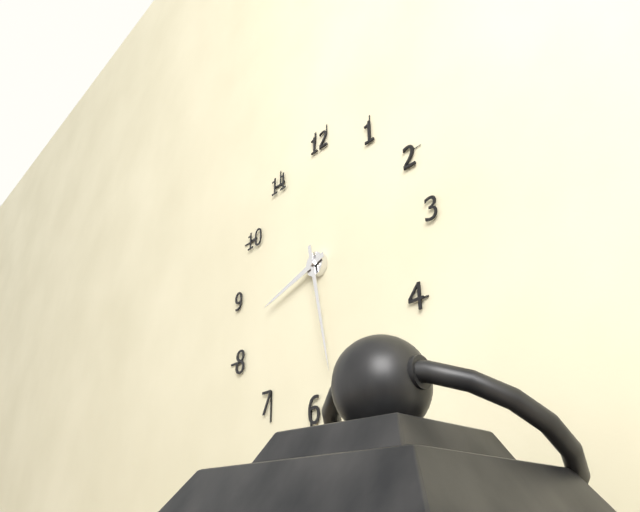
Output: 8.28
